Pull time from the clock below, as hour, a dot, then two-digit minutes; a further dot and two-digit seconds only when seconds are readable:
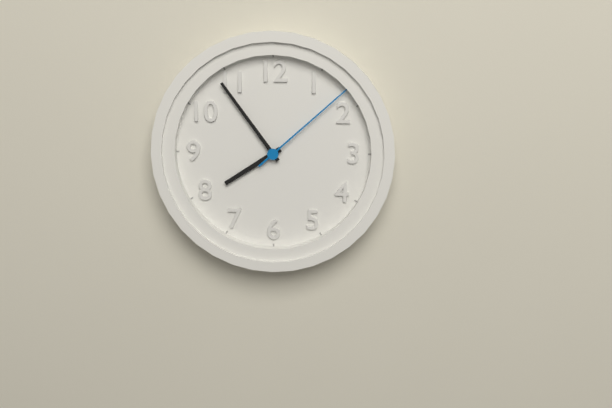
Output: 7.54.08
